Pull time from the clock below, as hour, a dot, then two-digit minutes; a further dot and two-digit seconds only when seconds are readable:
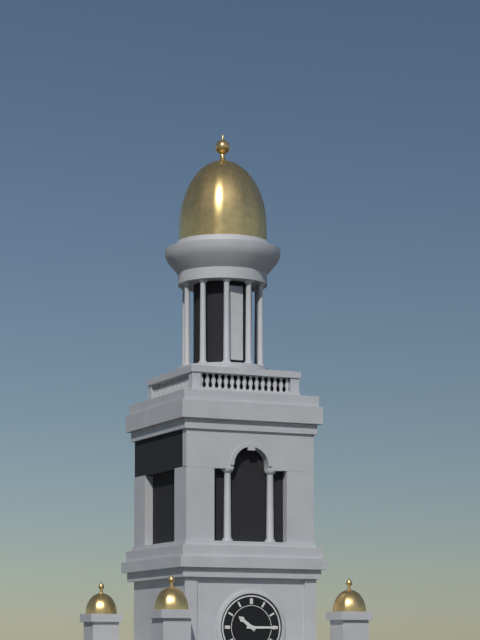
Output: 10.15
